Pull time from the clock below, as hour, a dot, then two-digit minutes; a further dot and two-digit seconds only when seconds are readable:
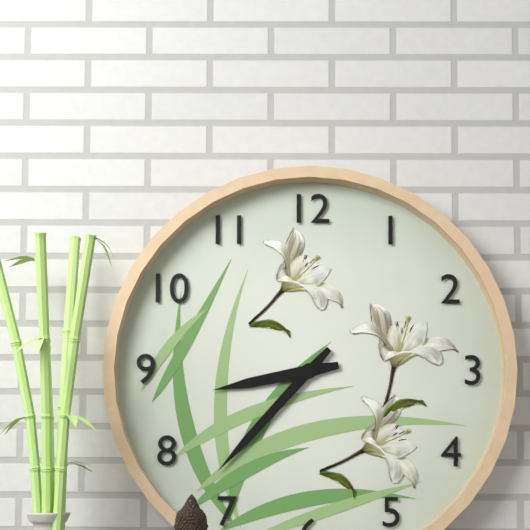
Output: 8.37
